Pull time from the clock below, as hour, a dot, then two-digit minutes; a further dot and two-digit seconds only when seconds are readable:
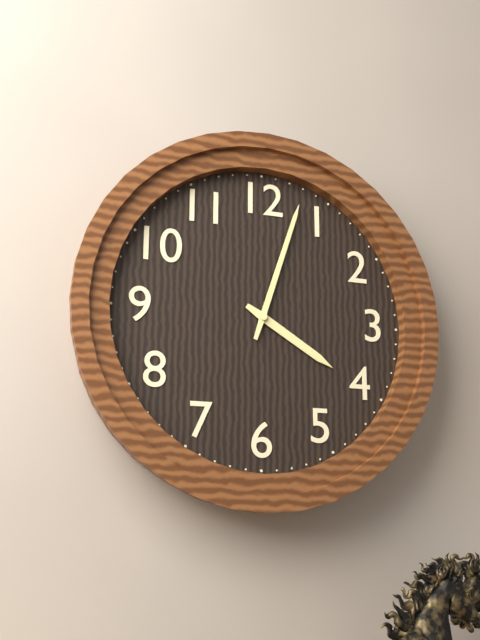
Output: 4.03
